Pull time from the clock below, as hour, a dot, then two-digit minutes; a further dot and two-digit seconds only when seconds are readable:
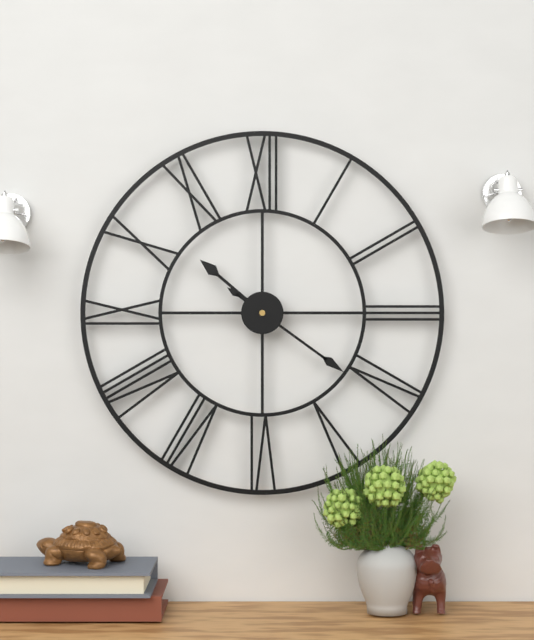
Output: 10.21
